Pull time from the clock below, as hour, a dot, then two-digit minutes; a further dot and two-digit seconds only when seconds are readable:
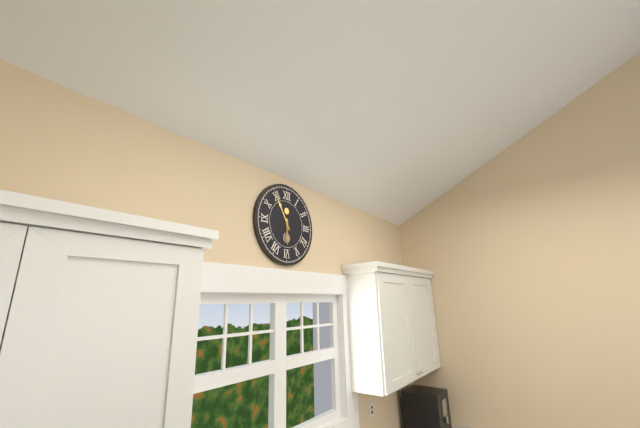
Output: 5.55
